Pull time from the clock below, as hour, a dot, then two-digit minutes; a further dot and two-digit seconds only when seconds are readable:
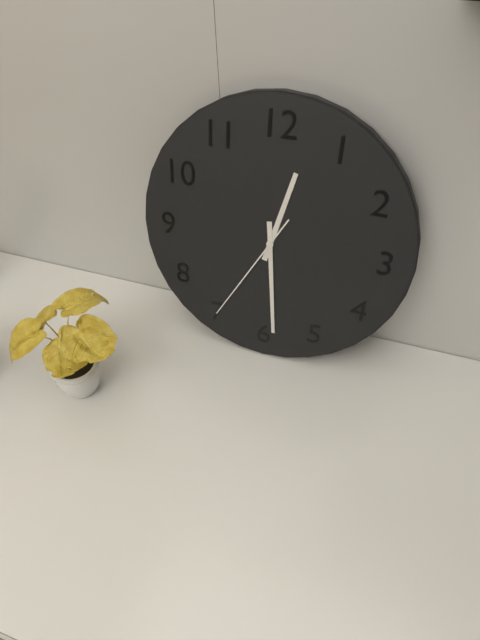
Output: 12.29.35
